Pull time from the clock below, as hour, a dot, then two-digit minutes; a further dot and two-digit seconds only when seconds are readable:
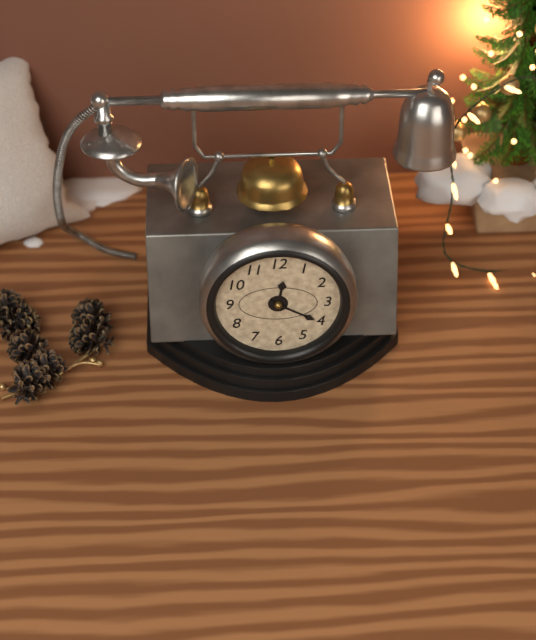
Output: 12.20
